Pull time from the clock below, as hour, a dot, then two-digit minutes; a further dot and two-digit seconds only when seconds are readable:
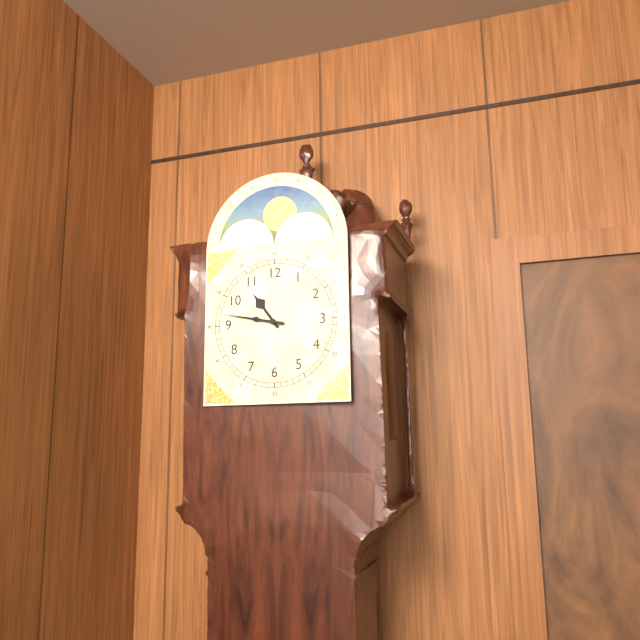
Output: 10.47
